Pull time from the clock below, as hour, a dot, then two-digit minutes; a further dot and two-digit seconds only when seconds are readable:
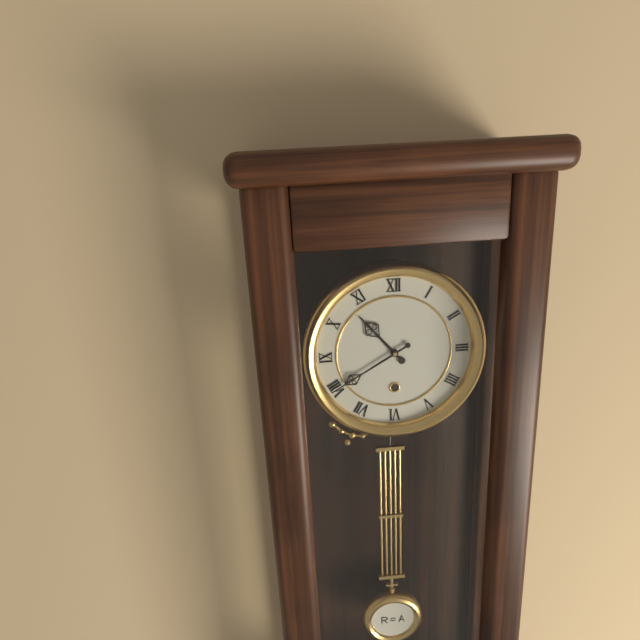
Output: 10.40
